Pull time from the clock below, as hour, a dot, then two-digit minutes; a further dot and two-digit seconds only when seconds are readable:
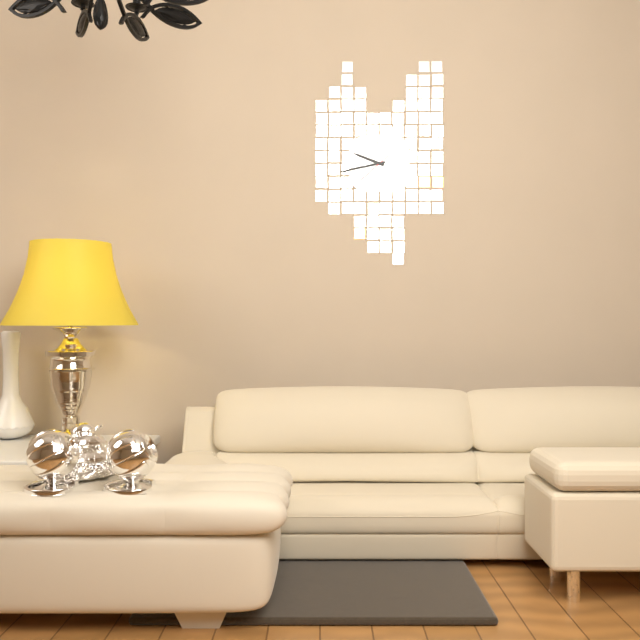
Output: 9.43
